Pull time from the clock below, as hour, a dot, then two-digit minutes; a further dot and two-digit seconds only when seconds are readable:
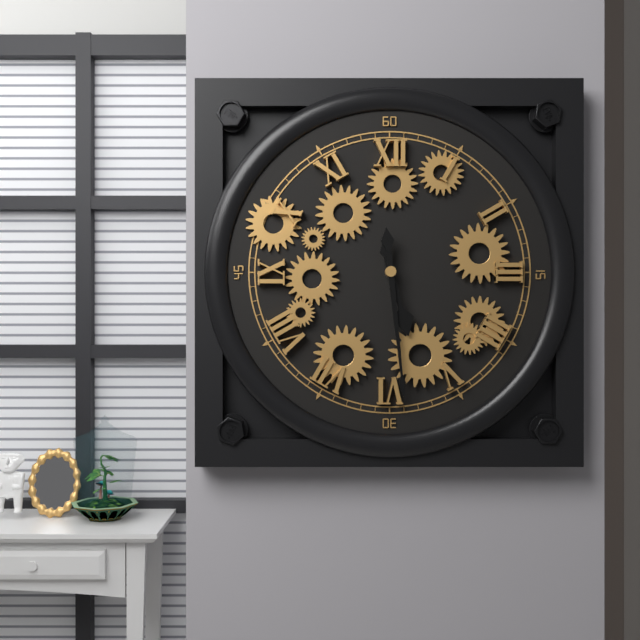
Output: 5.29
